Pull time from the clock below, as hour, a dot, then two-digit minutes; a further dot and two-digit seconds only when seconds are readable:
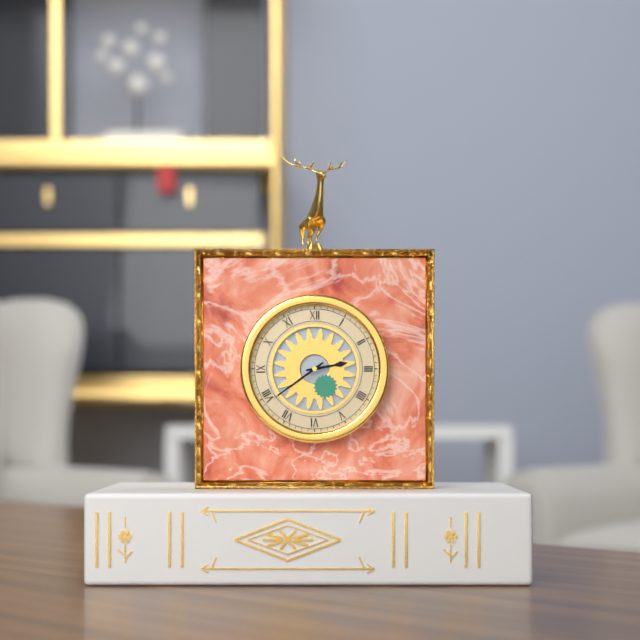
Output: 2.39
